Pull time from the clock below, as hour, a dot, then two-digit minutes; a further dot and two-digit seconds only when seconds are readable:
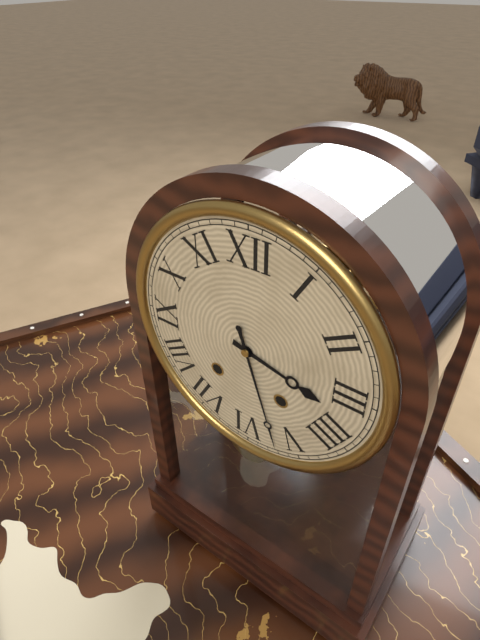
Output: 3.27
